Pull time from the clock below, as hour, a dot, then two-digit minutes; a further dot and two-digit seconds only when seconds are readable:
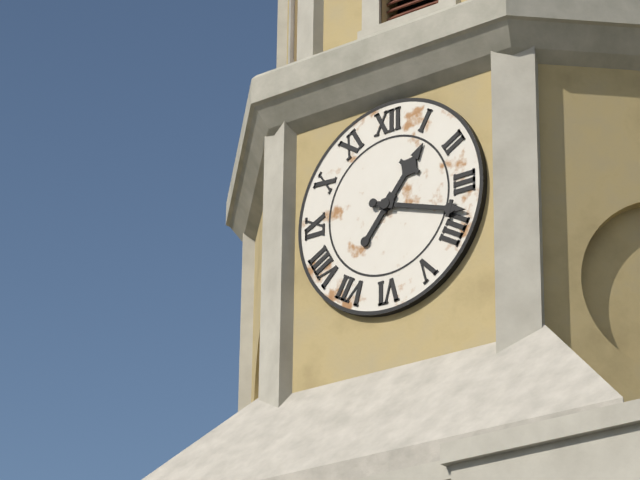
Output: 1.18
